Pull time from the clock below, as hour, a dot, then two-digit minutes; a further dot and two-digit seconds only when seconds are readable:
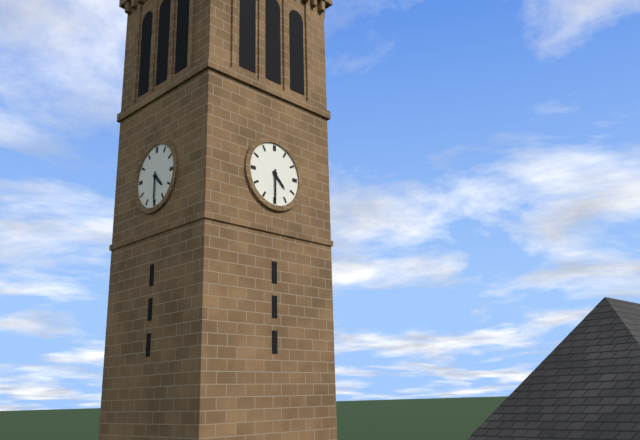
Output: 4.30
